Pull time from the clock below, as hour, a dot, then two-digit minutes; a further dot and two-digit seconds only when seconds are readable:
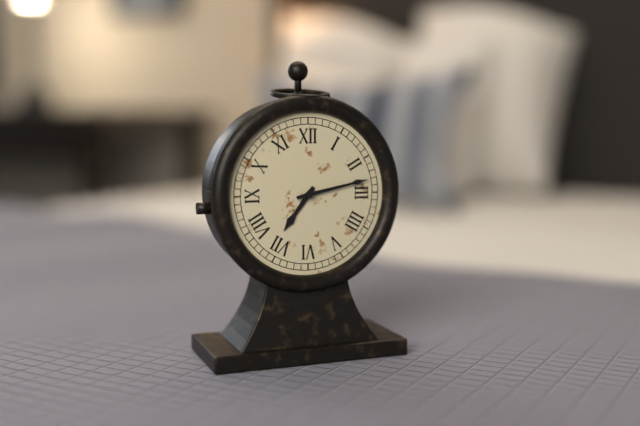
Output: 7.13
